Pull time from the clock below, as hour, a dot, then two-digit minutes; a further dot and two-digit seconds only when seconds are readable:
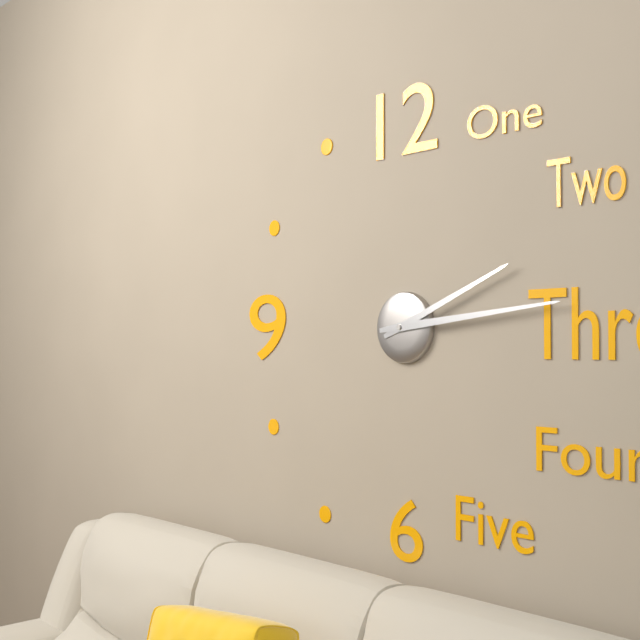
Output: 2.14
